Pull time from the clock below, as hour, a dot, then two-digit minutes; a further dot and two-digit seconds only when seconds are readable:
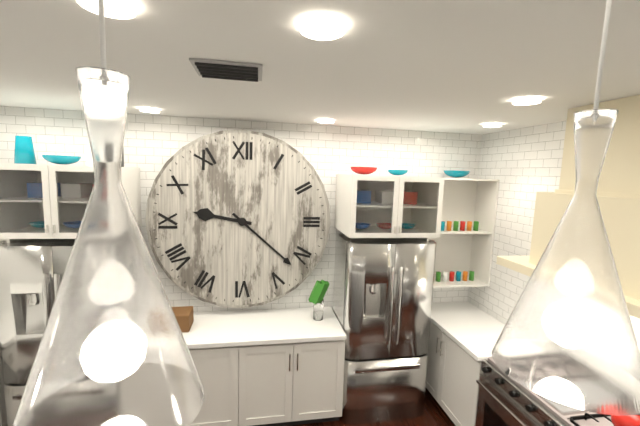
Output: 9.22
